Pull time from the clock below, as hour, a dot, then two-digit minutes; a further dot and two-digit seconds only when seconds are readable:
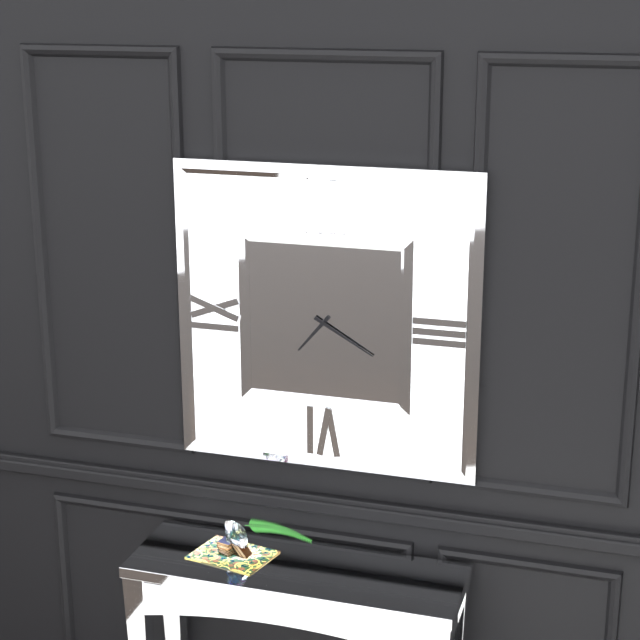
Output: 7.20
